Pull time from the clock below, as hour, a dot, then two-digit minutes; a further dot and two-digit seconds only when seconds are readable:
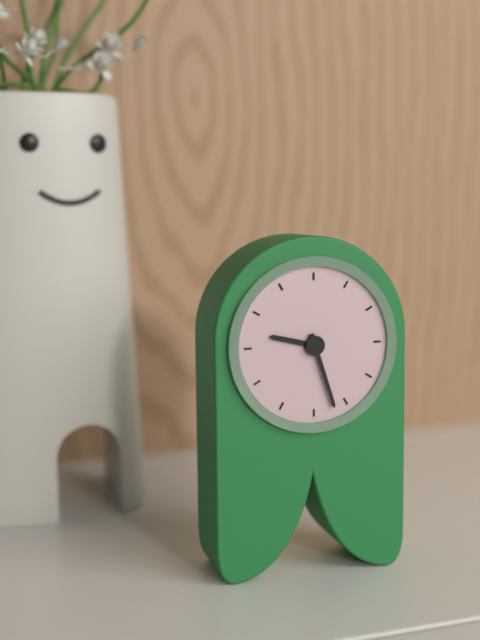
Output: 9.27
